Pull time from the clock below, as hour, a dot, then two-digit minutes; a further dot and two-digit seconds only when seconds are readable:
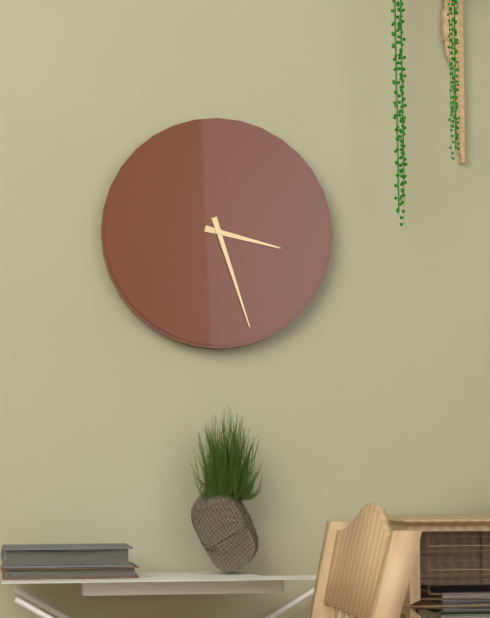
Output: 3.27
